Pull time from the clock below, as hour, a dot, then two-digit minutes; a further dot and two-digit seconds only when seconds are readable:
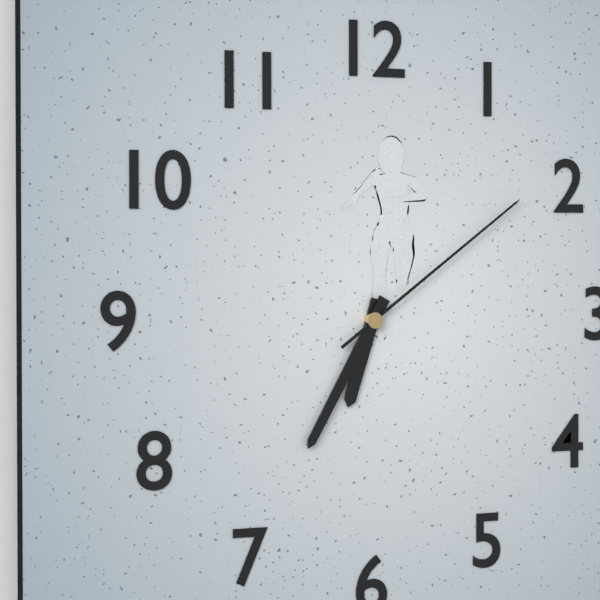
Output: 6.35.09
